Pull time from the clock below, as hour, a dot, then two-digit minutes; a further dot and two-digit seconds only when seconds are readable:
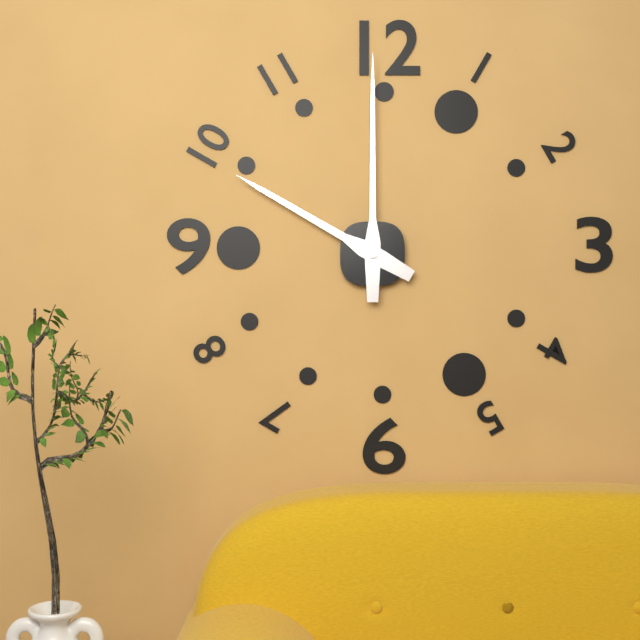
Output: 10.00
